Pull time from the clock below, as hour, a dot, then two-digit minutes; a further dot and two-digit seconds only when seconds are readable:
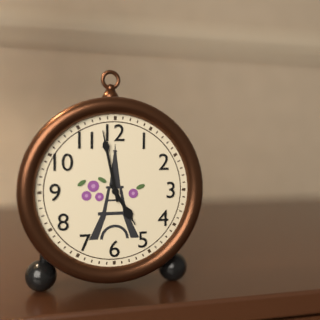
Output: 4.58
